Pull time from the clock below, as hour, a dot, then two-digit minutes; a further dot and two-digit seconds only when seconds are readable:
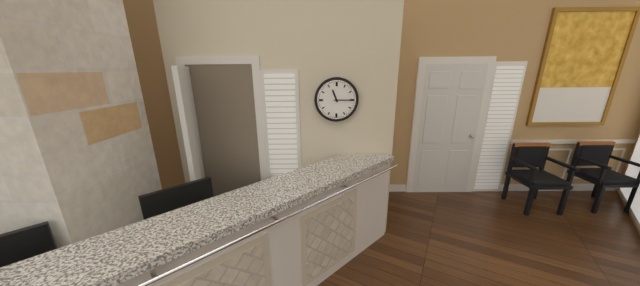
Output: 11.15
